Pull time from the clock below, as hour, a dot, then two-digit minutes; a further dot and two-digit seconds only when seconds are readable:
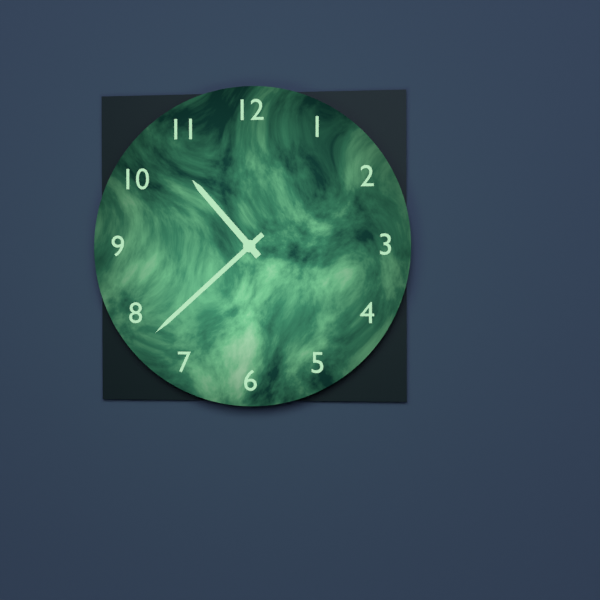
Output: 10.38
